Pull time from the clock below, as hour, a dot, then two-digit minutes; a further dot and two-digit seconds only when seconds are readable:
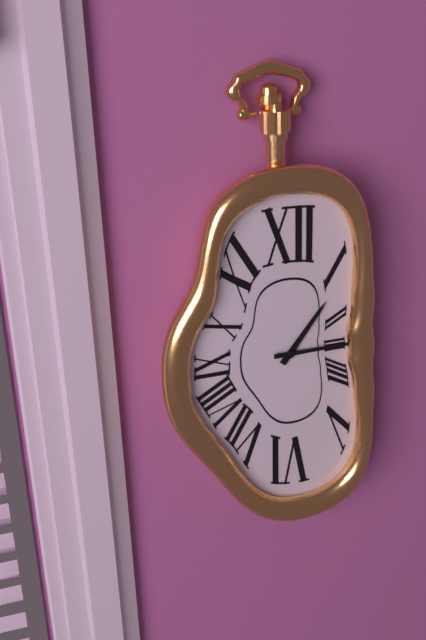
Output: 1.15
